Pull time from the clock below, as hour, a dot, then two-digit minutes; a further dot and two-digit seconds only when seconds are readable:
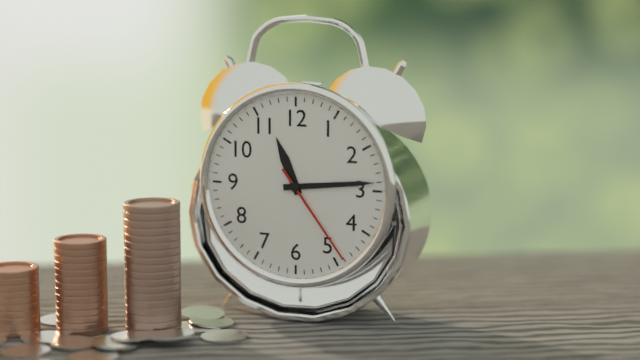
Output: 11.14.24
